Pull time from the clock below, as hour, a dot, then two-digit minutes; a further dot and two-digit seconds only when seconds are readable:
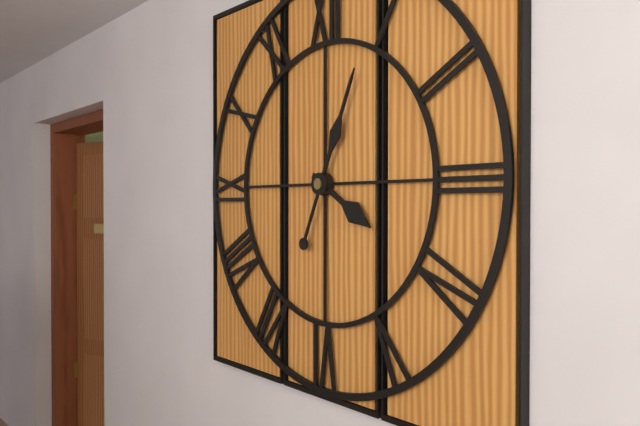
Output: 4.04
